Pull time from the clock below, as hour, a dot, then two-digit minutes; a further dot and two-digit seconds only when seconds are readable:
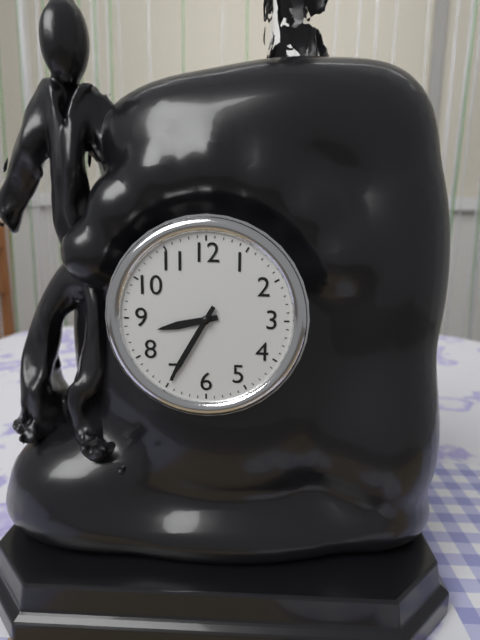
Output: 8.35
